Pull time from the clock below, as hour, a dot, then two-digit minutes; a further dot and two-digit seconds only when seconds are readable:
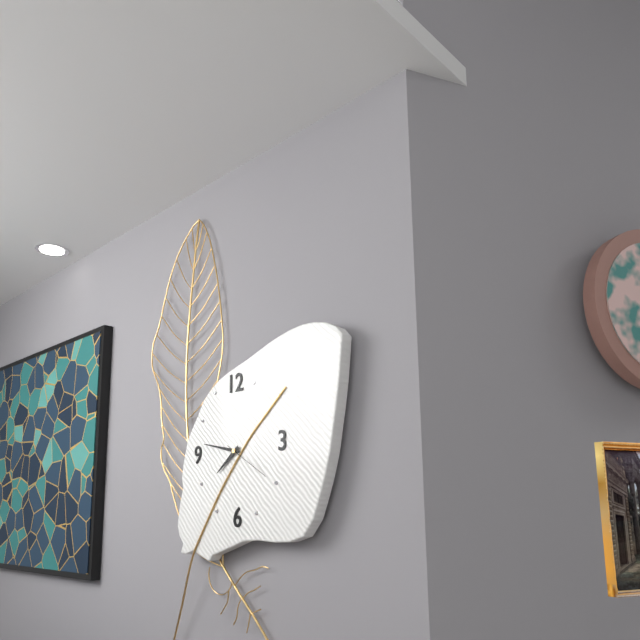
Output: 7.47.20
